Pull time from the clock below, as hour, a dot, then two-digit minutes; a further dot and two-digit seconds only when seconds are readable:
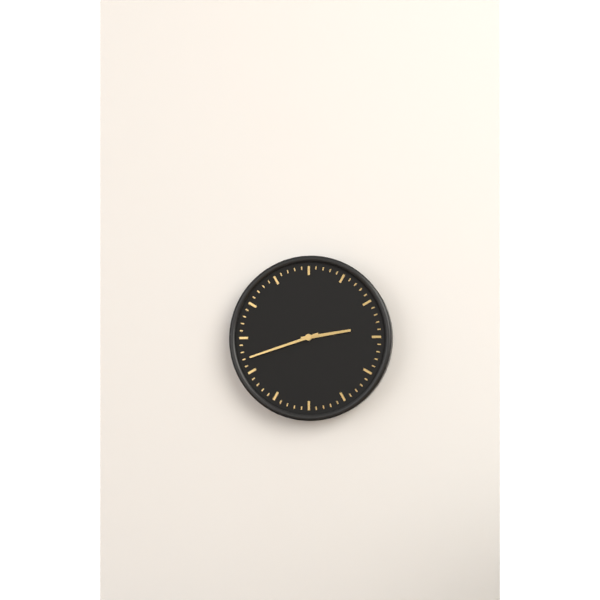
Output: 2.42
